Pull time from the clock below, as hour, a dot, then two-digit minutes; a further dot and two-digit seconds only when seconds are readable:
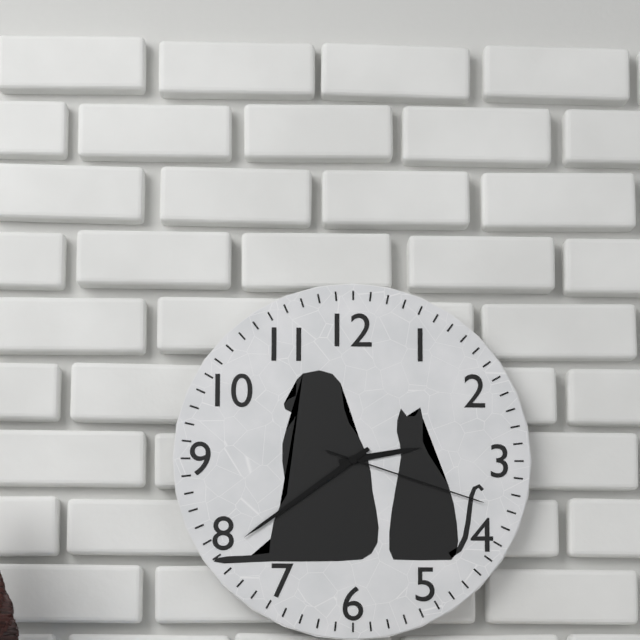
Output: 2.39.18
